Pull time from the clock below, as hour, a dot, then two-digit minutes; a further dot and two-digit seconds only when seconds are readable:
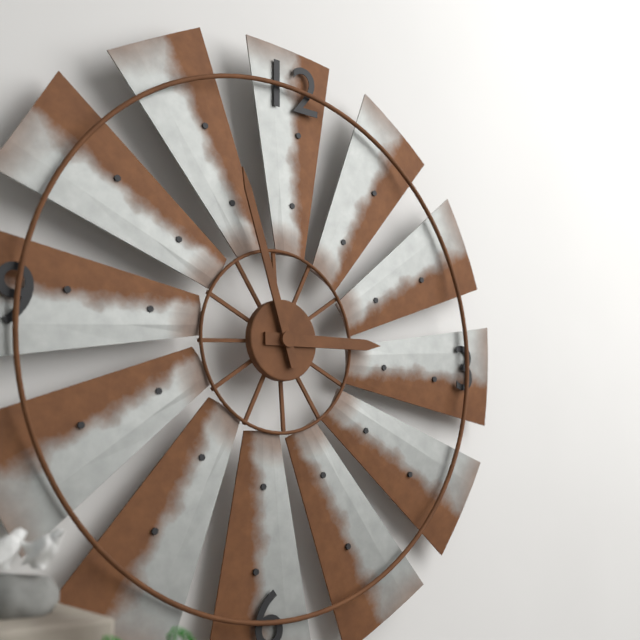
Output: 2.57
